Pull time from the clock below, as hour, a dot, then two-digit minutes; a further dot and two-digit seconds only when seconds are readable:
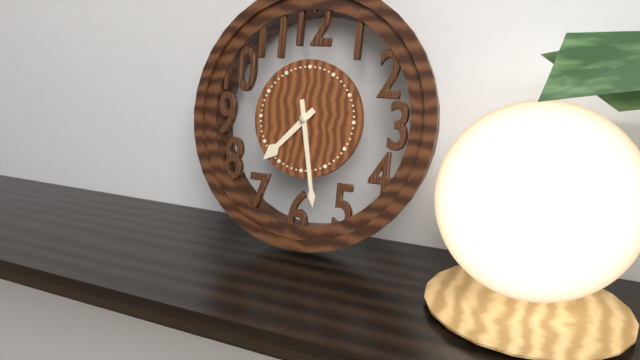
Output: 7.28
